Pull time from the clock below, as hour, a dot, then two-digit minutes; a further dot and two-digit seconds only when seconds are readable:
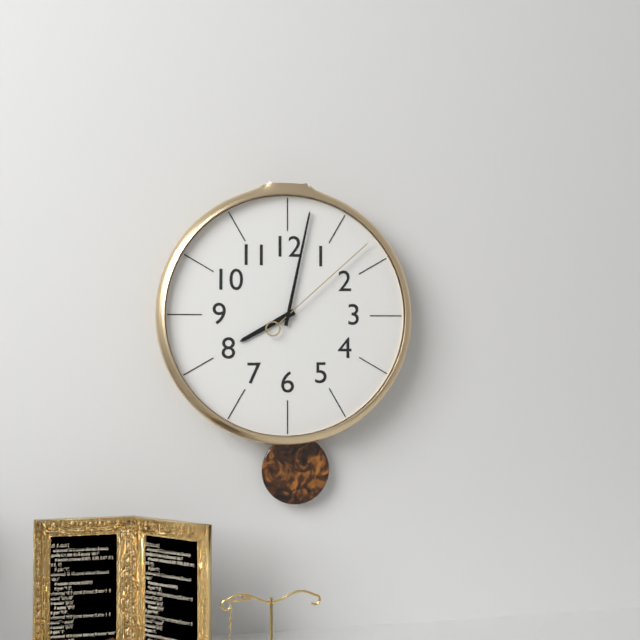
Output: 8.02.08
